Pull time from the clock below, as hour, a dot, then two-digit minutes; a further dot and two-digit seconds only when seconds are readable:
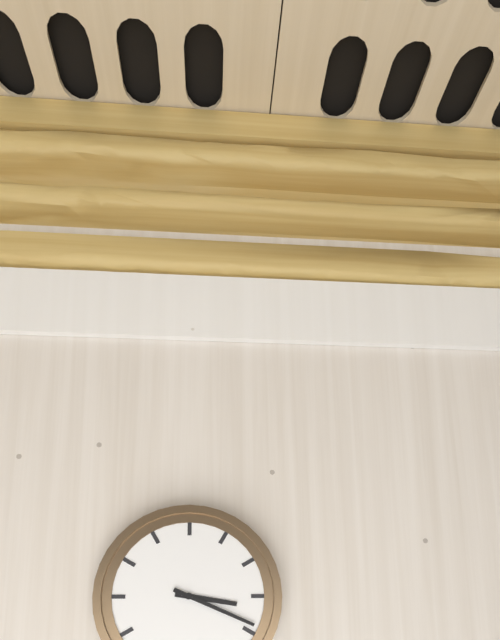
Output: 3.19
